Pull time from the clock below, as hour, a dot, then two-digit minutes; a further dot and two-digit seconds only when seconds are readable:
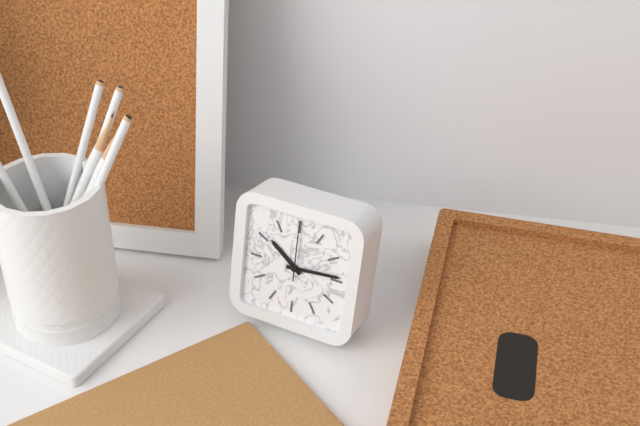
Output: 10.14.00
